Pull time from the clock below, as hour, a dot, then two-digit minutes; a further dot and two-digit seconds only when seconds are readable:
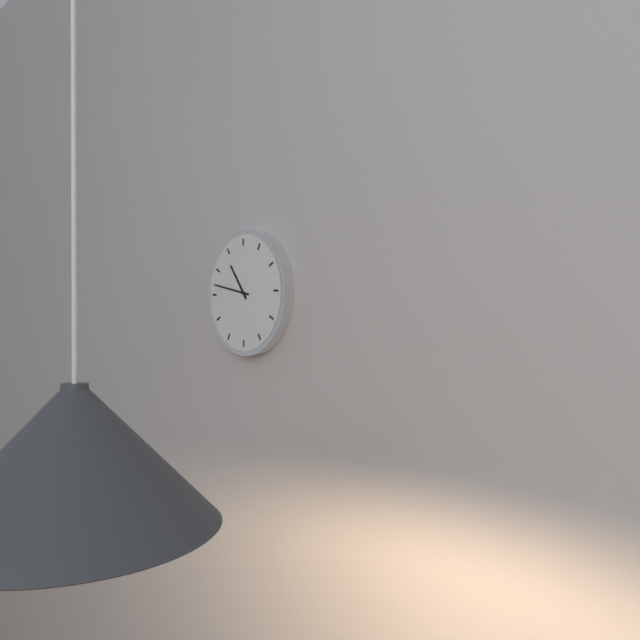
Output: 10.47
